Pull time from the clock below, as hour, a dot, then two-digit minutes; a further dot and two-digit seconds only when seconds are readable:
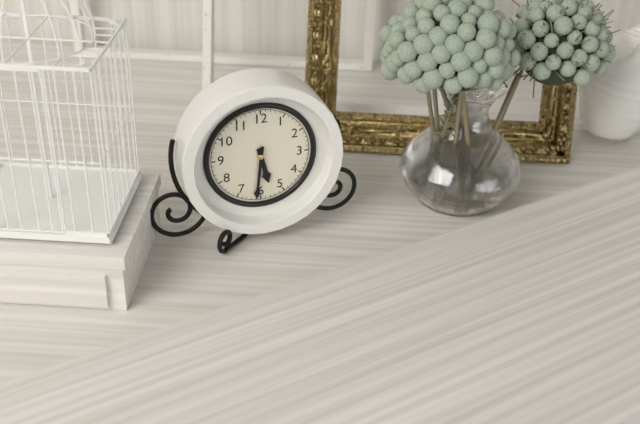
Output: 5.31
